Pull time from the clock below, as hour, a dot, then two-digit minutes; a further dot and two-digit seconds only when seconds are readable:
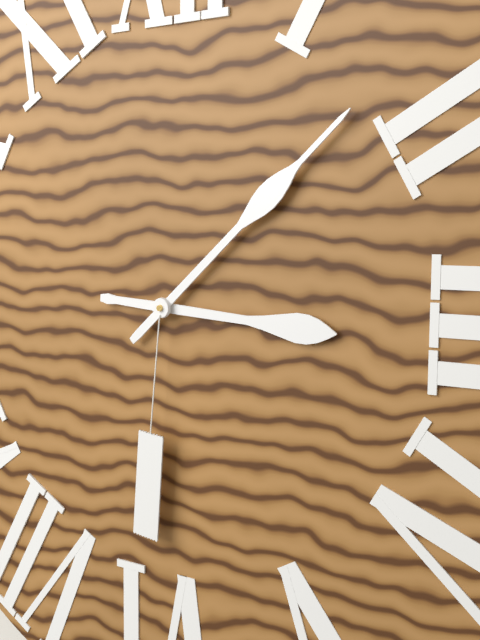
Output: 3.08
